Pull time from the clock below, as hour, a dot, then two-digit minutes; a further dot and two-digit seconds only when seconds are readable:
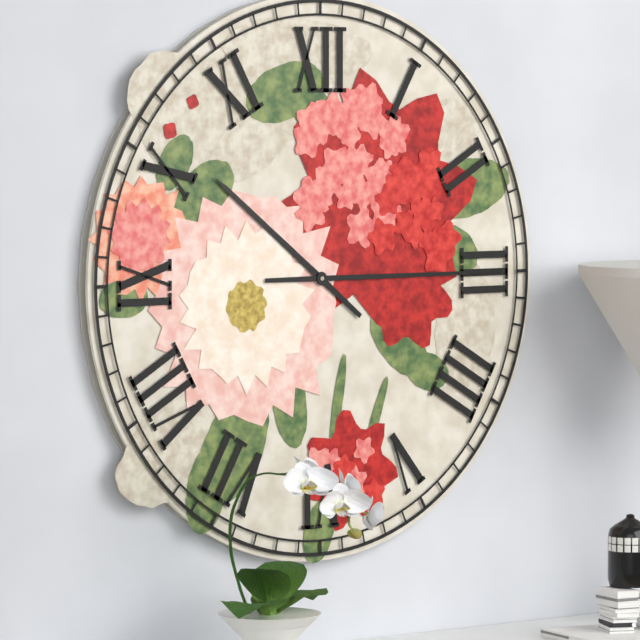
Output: 10.15
